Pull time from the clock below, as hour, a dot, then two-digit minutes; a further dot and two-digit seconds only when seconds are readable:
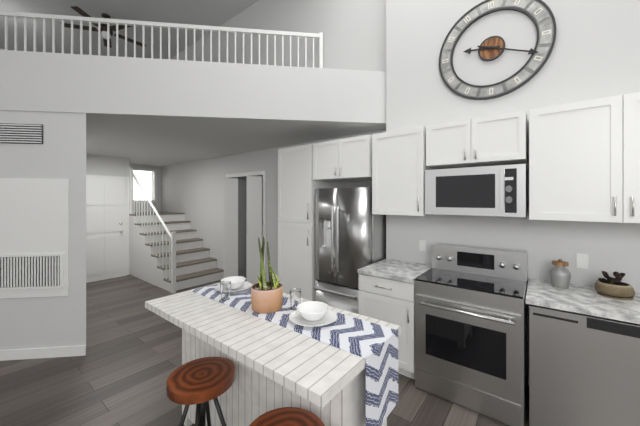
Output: 9.19
